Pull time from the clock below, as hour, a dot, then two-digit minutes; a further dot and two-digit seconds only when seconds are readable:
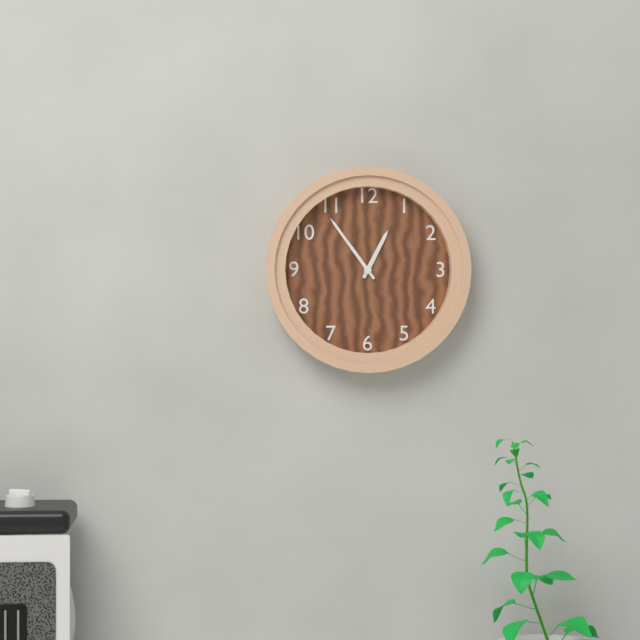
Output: 12.54
